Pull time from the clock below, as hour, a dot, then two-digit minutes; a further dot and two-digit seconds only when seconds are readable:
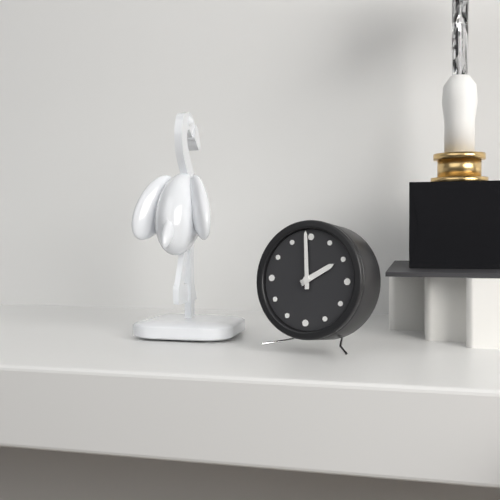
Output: 1.59
